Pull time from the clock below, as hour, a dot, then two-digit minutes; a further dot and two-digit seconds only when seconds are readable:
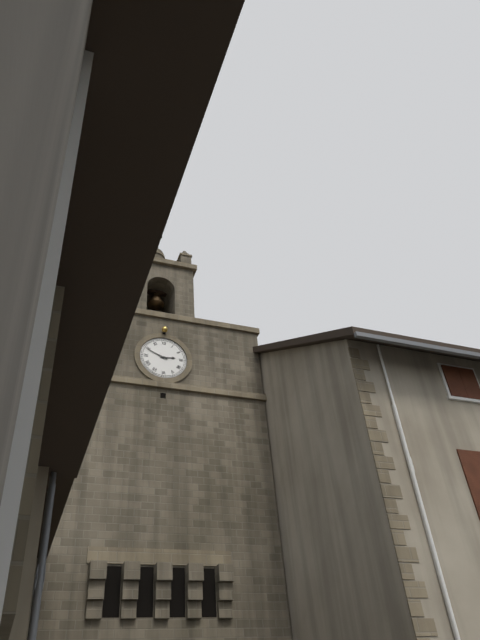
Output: 2.49
